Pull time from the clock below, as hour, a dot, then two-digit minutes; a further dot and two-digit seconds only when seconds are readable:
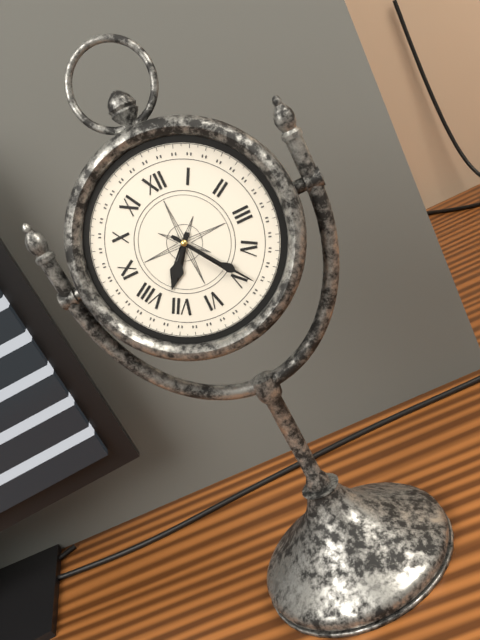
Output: 7.24
